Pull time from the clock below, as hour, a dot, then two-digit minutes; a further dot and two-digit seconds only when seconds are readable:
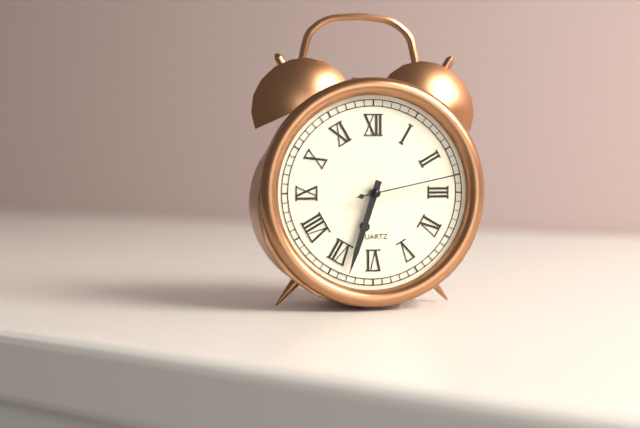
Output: 6.33.13
